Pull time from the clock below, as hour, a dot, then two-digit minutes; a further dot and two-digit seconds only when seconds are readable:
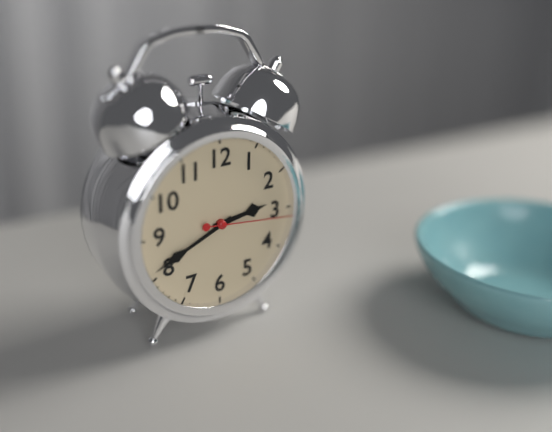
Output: 2.41.16
